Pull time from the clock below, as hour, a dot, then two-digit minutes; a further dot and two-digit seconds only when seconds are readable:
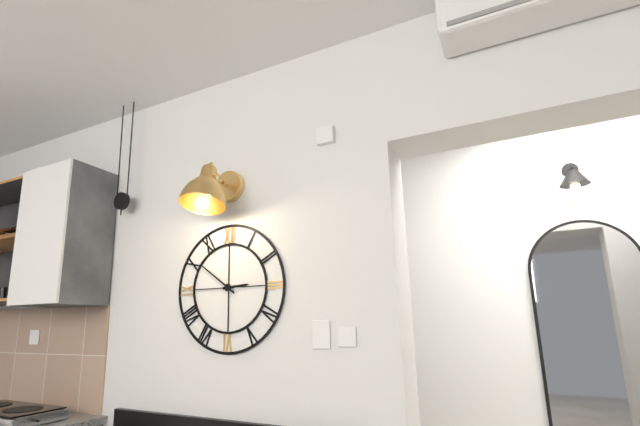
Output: 2.51
